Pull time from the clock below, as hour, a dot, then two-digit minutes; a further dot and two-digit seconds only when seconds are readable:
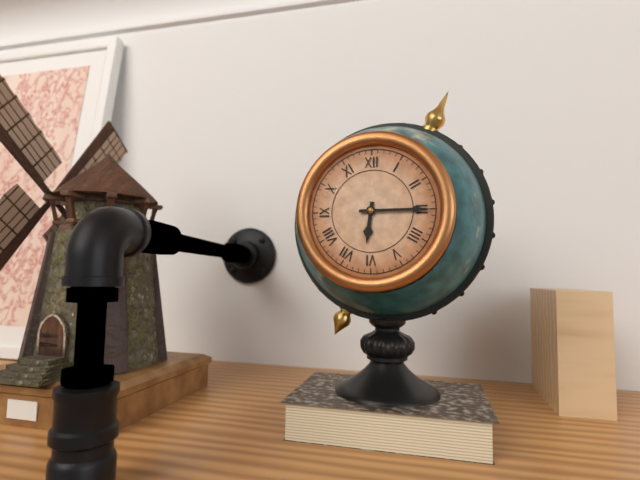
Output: 6.15
